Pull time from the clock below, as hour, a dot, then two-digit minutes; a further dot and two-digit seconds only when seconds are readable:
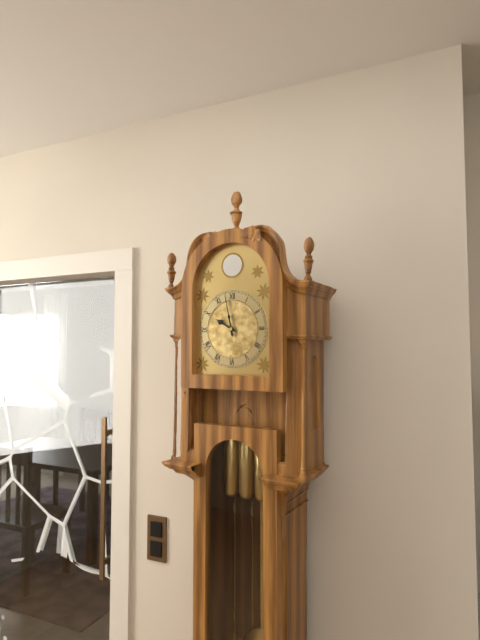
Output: 9.58
